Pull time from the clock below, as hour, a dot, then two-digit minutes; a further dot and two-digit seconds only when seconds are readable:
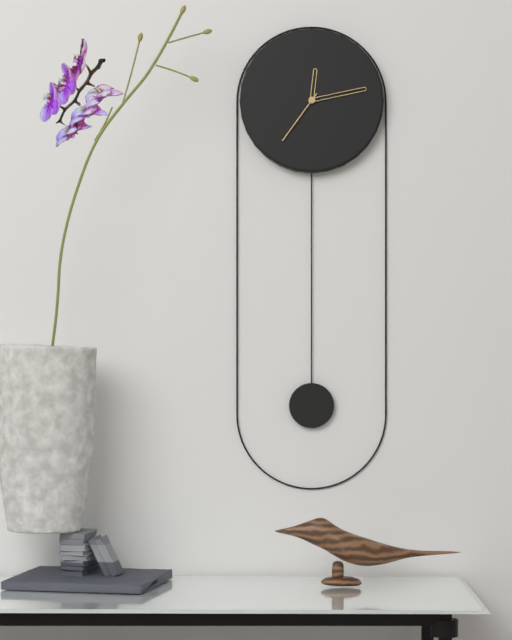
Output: 12.13.36
